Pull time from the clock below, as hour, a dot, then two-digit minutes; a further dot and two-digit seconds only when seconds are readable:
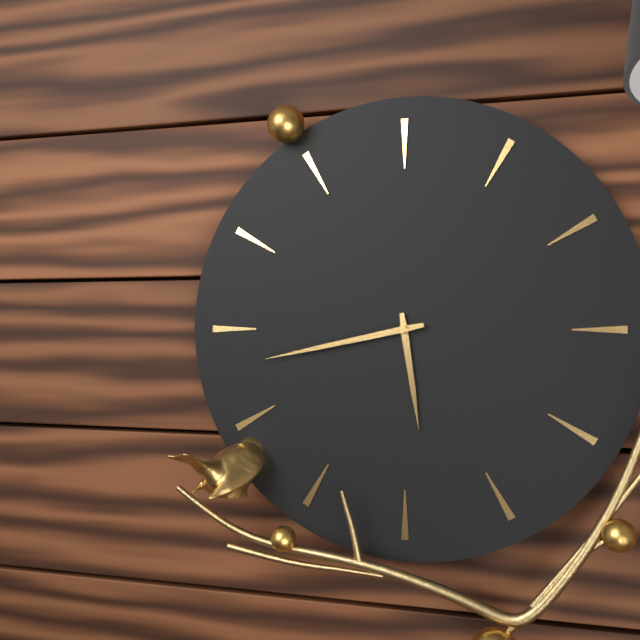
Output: 5.43
